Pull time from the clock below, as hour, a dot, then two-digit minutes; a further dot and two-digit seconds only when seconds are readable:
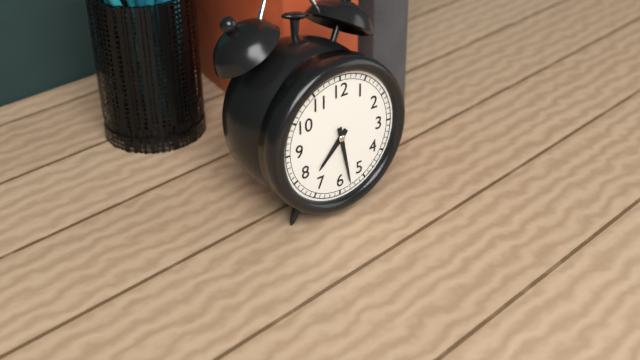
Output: 7.28
